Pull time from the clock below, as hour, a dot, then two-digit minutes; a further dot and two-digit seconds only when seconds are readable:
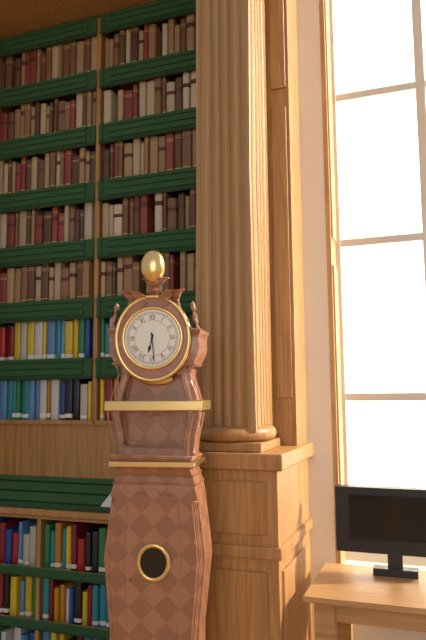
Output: 6.29
